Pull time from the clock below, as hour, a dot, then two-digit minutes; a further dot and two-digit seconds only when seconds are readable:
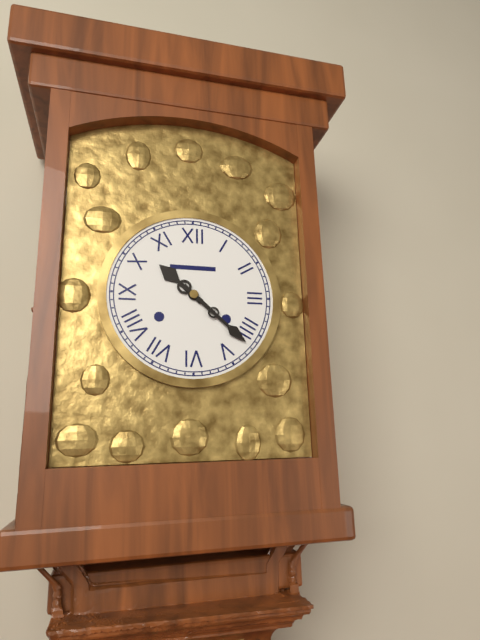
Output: 10.22
